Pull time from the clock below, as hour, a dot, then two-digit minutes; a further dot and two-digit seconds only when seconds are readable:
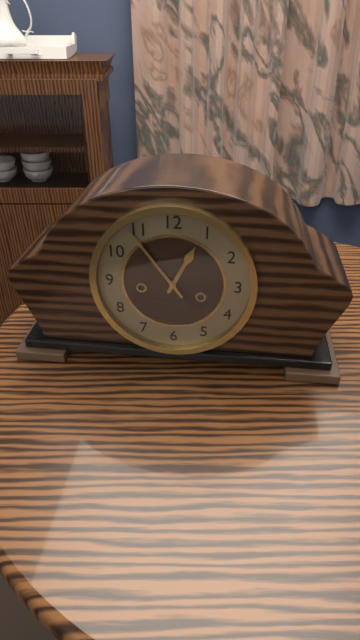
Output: 12.54
